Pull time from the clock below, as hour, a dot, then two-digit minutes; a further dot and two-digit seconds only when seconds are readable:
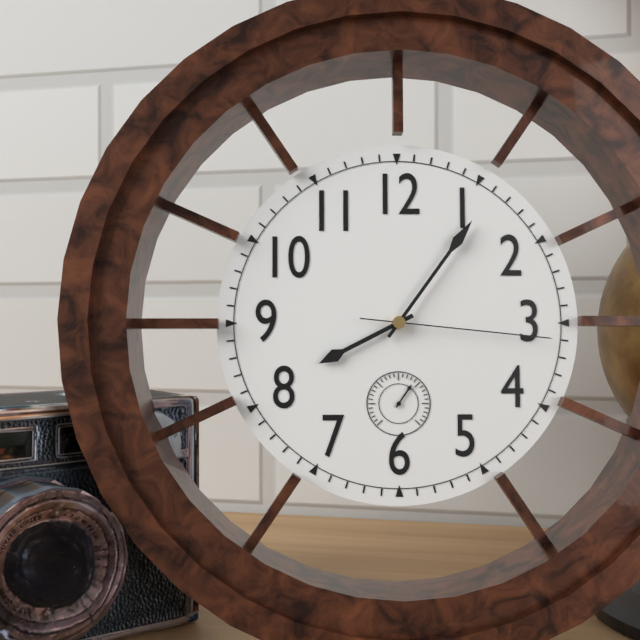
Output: 8.06.16
